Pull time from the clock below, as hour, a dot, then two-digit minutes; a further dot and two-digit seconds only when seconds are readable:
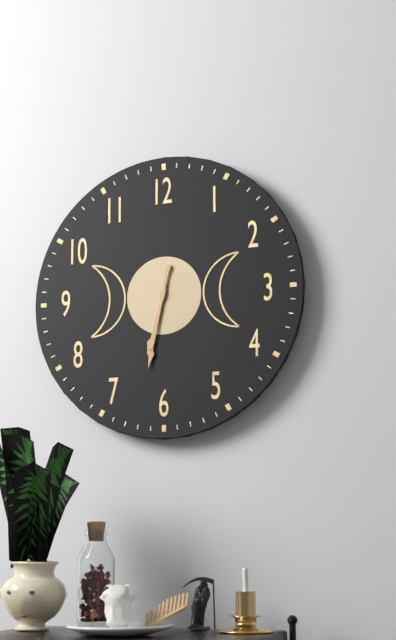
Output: 6.32
